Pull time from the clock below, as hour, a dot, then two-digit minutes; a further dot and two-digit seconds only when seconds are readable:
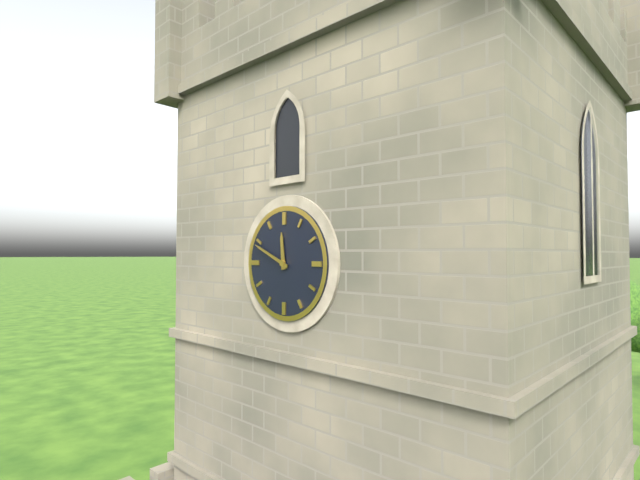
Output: 11.49
